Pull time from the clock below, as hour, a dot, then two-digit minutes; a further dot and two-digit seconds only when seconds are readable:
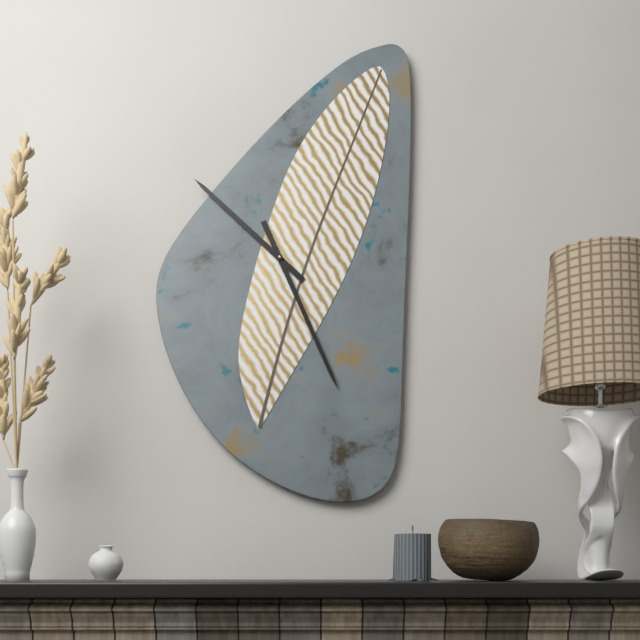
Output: 10.26
